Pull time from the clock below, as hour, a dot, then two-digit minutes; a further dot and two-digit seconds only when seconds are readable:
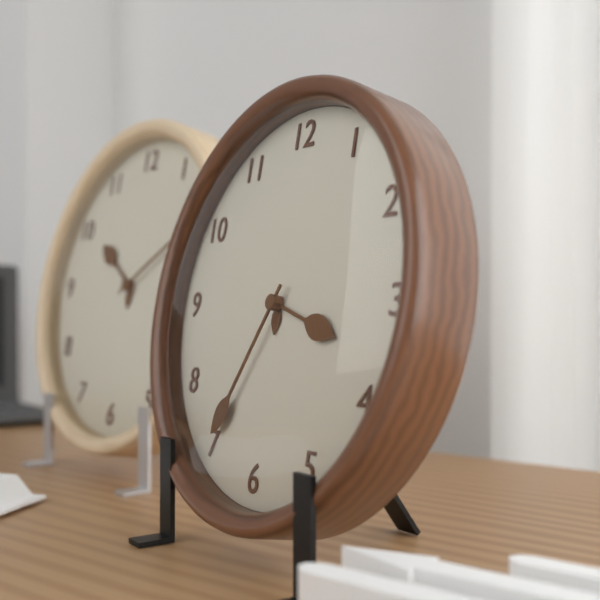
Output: 3.35
